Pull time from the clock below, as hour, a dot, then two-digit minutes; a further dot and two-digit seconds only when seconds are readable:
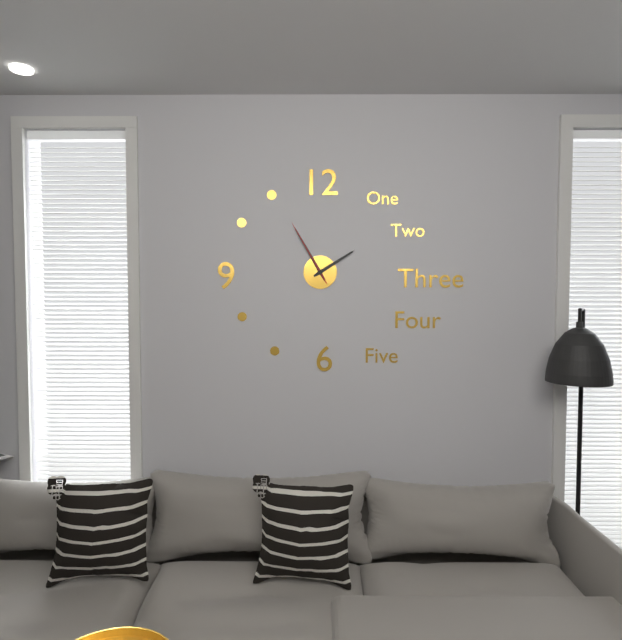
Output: 1.55.55
